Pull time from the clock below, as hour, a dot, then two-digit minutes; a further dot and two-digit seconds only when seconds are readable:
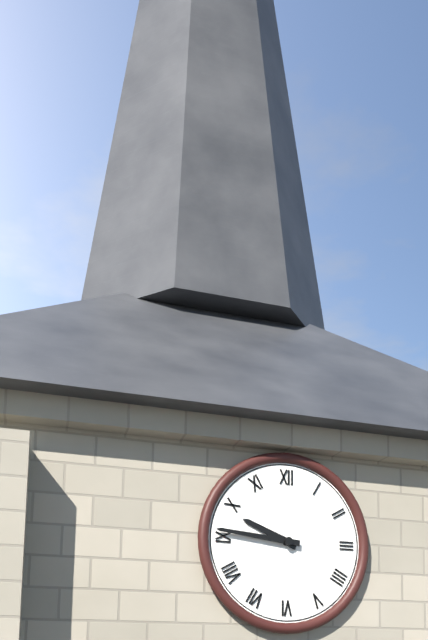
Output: 9.46
